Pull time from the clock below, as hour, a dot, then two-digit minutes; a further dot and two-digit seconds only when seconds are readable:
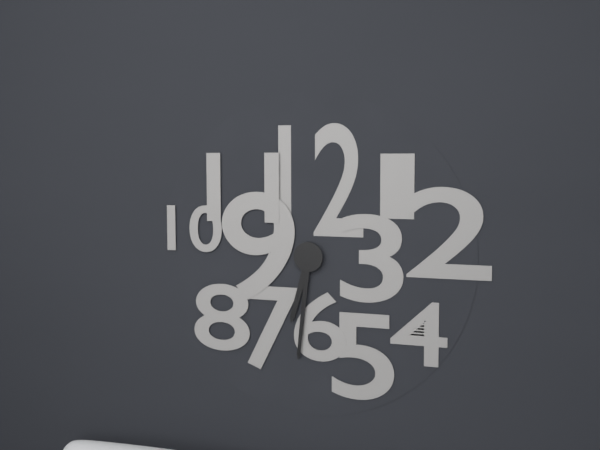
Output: 6.31
